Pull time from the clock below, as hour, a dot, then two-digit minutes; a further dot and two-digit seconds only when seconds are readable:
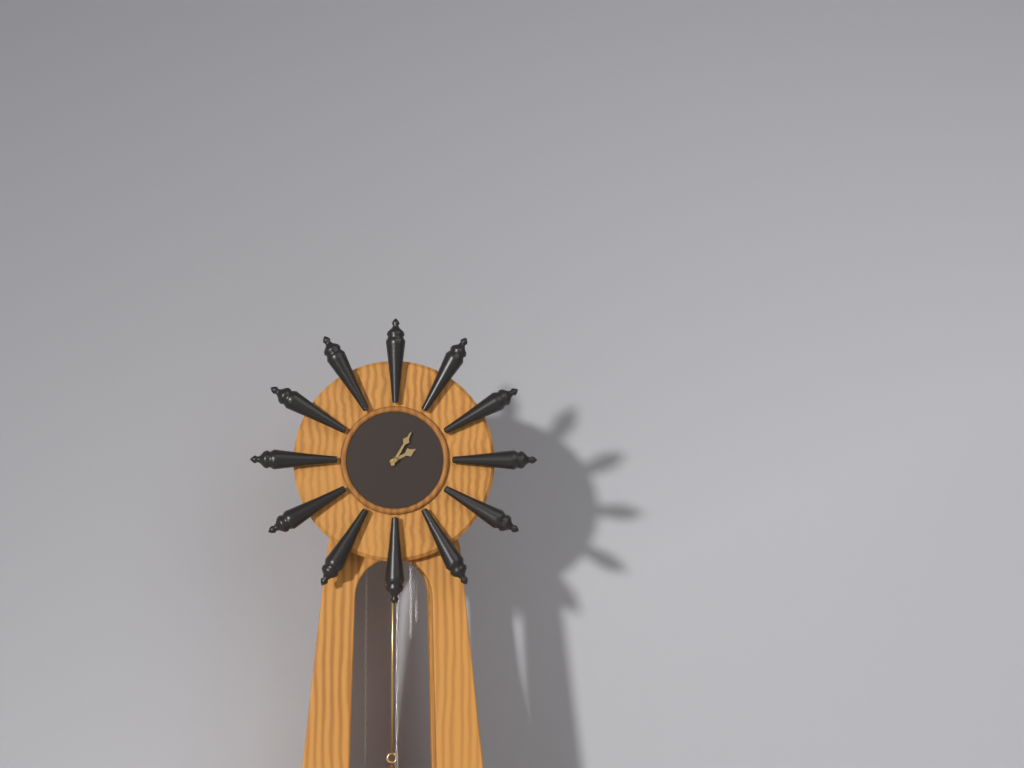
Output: 2.05
